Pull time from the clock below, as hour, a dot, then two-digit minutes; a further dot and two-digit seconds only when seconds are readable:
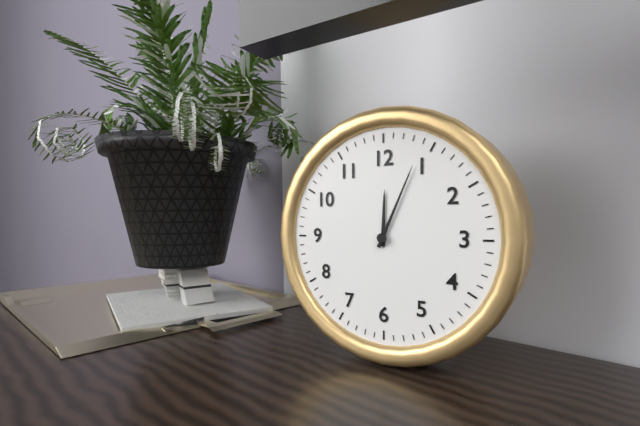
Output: 12.04
